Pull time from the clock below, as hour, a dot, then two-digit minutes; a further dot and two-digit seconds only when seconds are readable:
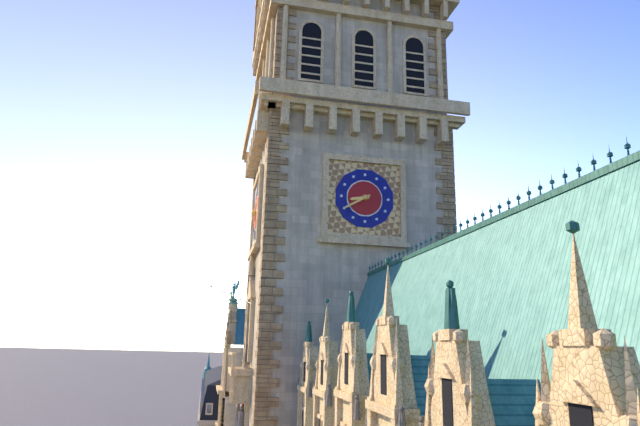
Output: 8.40
